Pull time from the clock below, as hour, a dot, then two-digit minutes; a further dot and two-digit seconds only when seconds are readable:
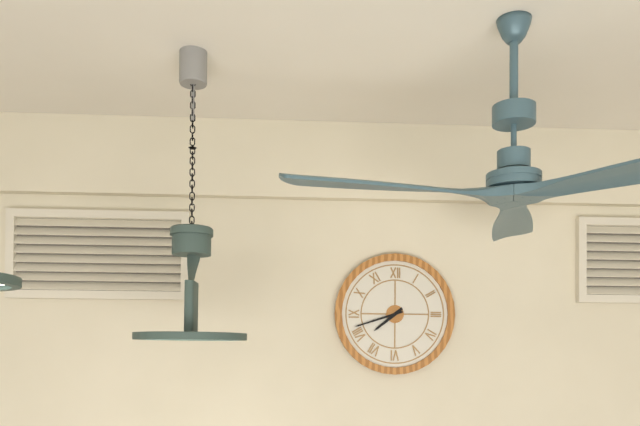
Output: 7.42
